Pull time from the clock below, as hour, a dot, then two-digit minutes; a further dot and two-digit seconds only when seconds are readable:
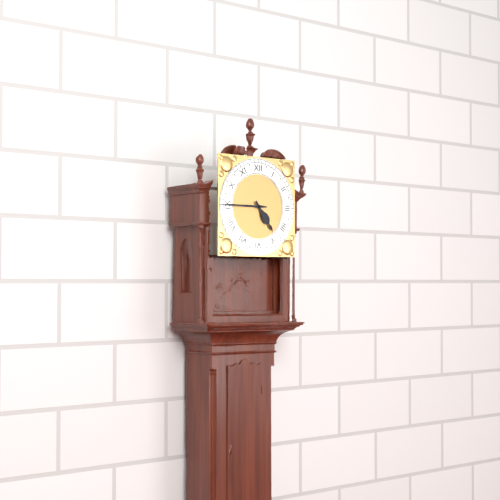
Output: 4.45
